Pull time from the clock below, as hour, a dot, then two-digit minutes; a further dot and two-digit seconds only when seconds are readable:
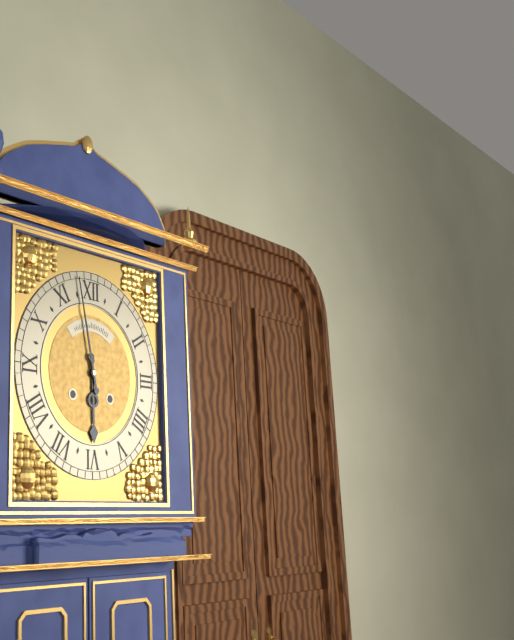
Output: 5.58
